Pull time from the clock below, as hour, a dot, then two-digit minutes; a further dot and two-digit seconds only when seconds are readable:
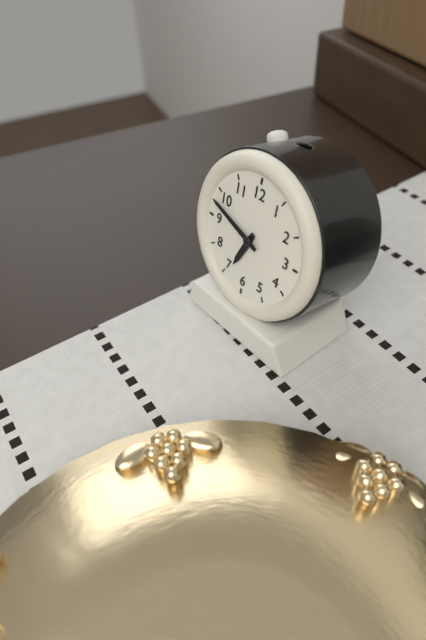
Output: 6.48
